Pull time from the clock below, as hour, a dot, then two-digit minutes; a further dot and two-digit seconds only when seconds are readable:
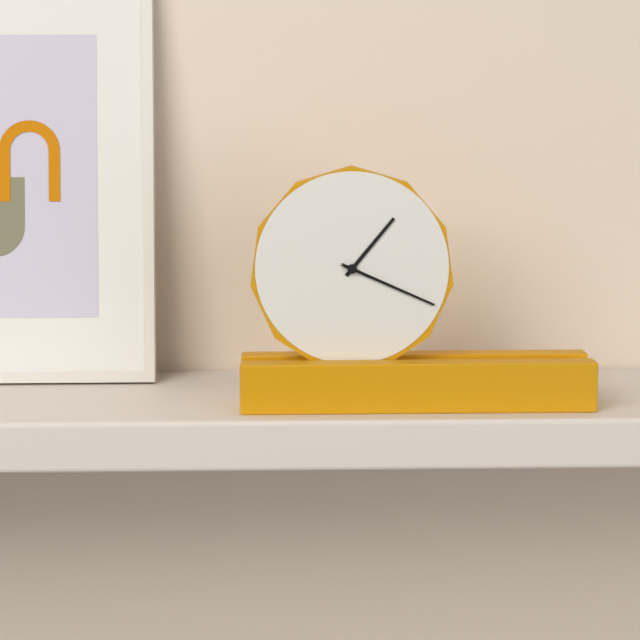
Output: 1.19
